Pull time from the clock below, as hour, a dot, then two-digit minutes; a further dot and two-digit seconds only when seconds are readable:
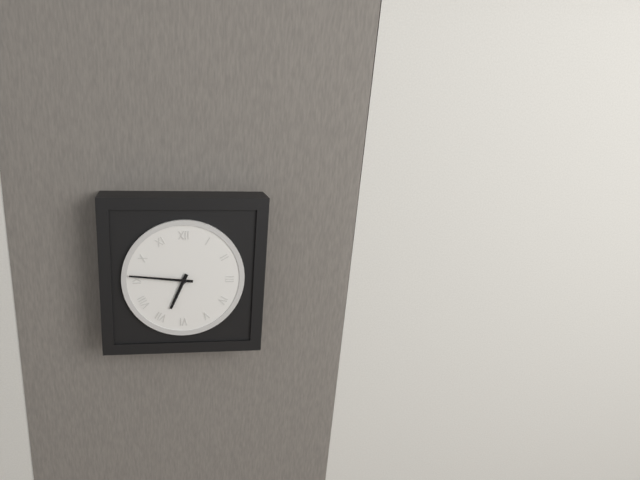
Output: 6.46
